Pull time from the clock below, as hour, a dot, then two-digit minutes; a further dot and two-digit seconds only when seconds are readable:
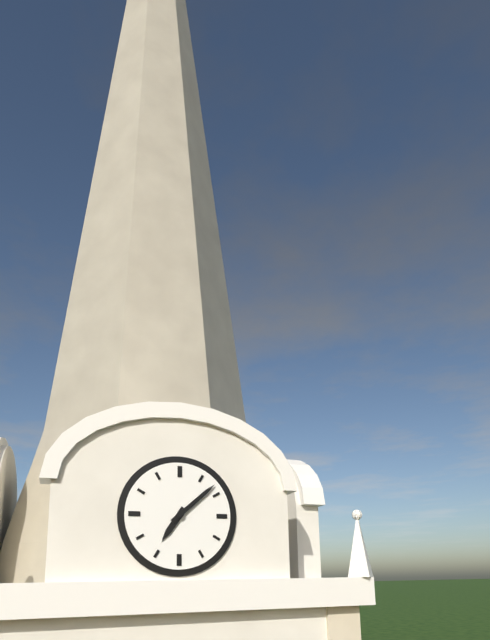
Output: 7.08
